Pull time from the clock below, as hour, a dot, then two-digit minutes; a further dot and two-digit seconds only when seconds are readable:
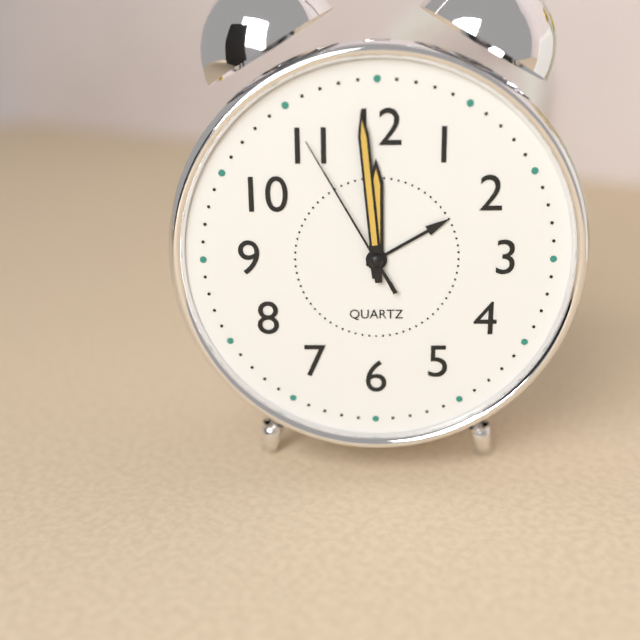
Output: 11.59.55
